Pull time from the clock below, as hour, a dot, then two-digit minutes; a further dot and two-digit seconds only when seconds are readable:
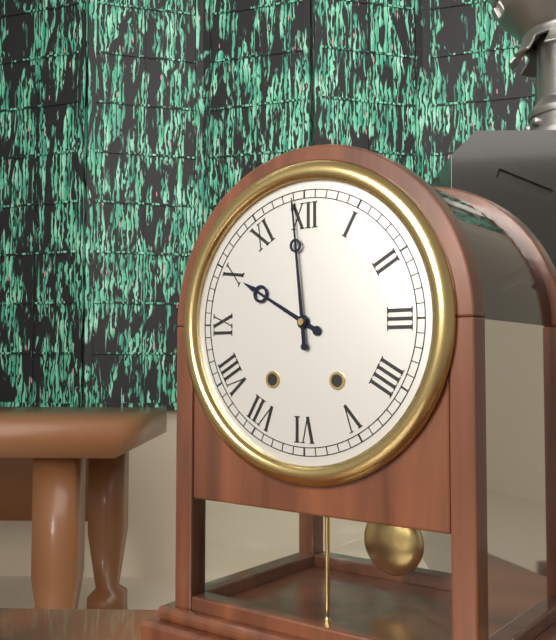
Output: 9.59
